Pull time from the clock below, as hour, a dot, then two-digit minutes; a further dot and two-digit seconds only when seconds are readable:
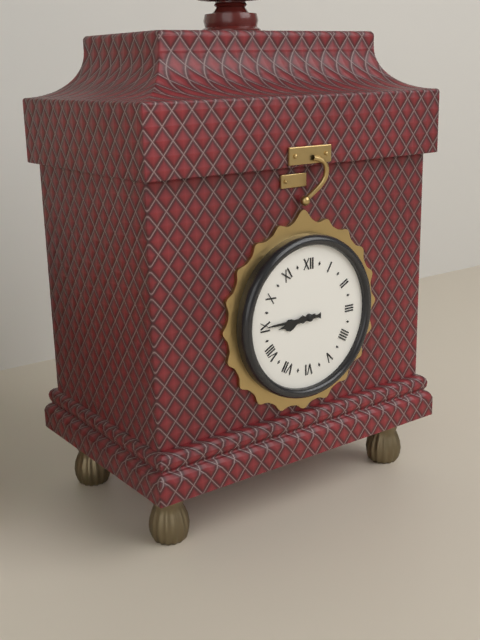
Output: 8.45
